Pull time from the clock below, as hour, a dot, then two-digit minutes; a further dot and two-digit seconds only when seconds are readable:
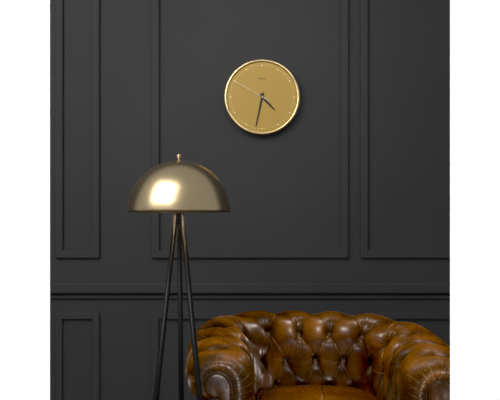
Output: 4.32
